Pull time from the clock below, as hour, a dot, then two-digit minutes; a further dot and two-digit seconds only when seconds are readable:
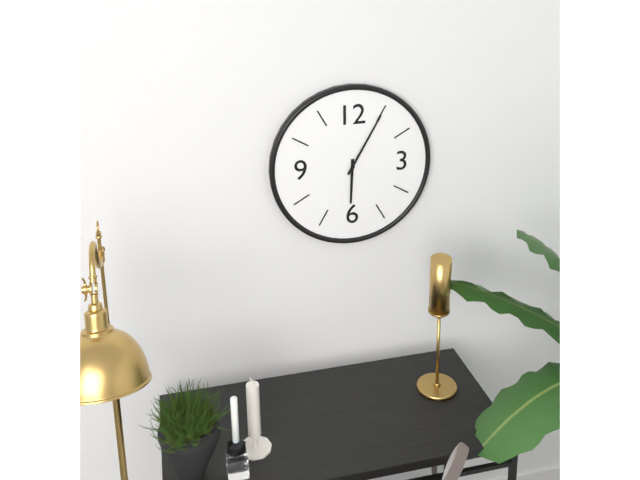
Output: 6.05
